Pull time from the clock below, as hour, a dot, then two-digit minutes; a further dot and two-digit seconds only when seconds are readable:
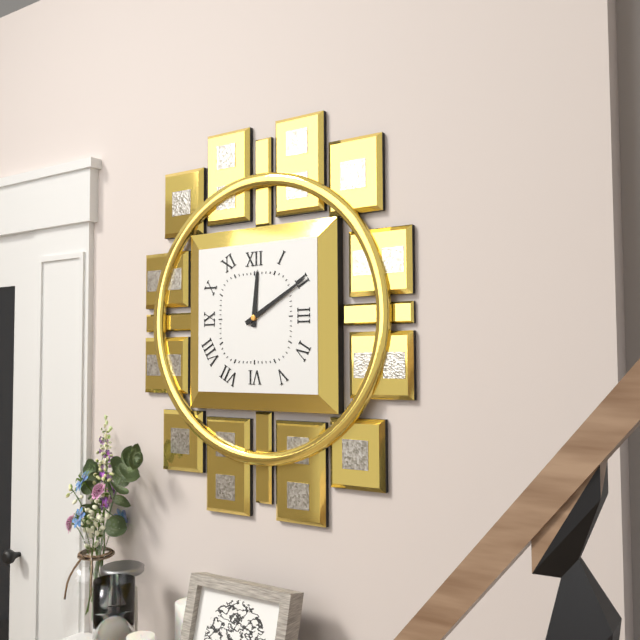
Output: 12.10
